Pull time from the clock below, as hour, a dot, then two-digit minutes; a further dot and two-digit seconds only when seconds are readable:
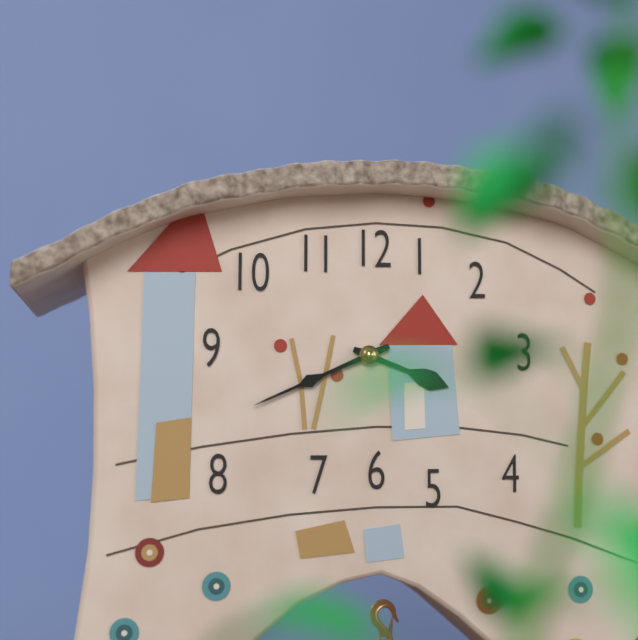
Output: 3.41
